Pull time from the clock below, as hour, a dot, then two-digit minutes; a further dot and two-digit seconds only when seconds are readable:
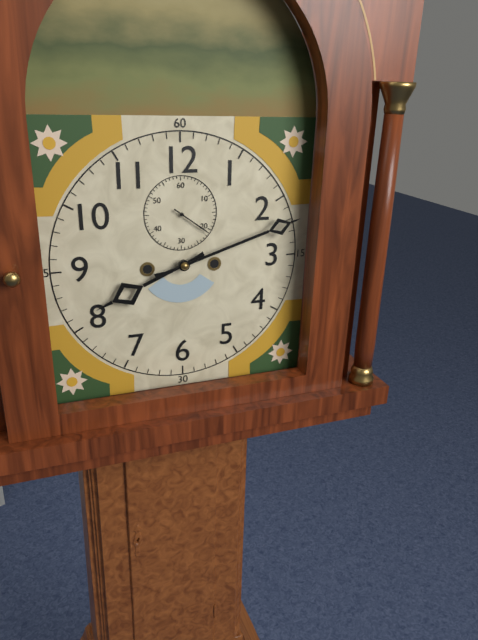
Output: 8.12
